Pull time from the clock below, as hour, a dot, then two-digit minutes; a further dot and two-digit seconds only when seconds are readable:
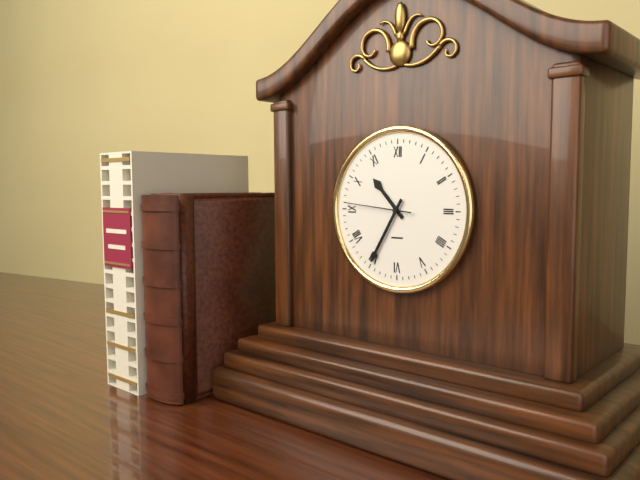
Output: 10.35.46
